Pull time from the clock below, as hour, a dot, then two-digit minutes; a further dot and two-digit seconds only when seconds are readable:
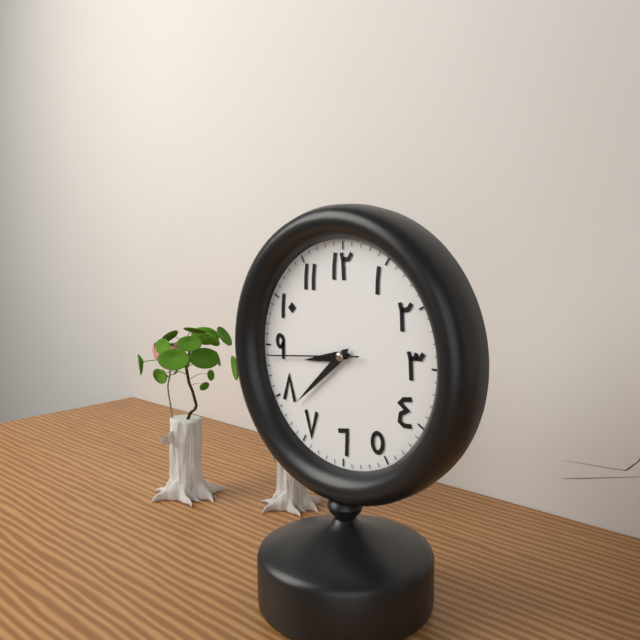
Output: 8.38.44
